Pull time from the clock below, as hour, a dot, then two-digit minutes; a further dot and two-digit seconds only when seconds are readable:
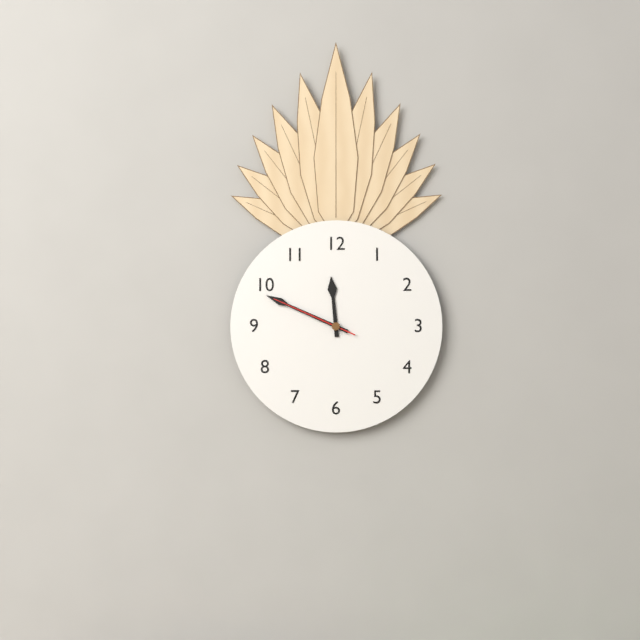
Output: 11.49.49
